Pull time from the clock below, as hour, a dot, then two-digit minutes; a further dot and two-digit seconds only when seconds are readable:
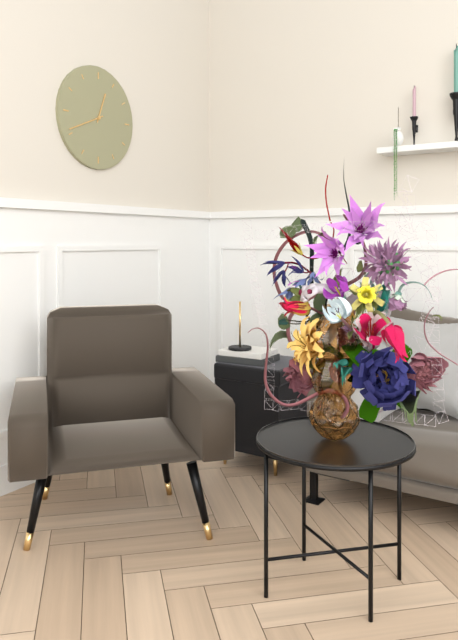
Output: 12.41
